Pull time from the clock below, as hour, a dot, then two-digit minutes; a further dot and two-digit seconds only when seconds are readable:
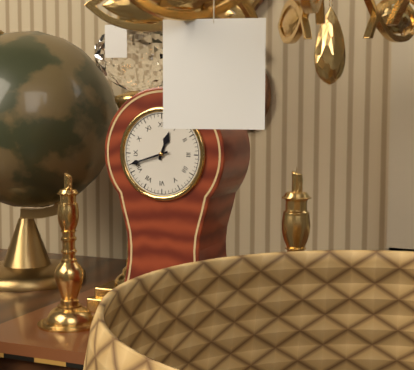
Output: 12.42
